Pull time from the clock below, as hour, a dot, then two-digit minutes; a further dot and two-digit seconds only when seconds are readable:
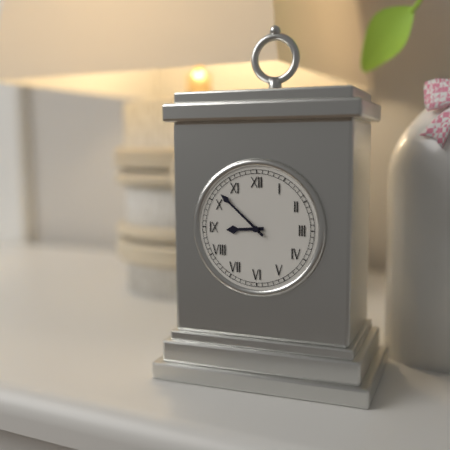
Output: 8.52
